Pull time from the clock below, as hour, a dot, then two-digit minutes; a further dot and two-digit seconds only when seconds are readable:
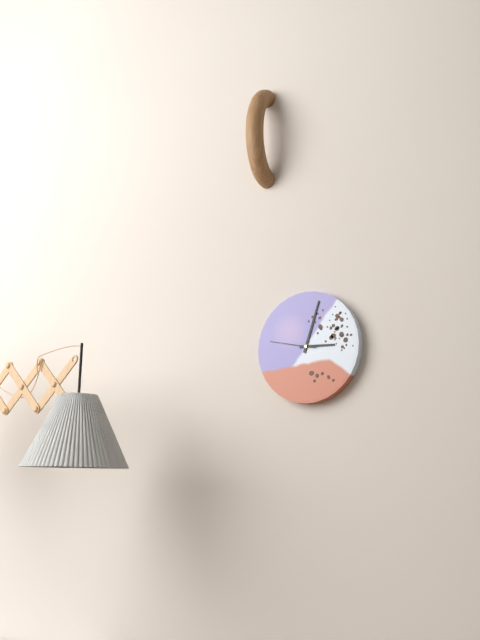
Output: 3.03
